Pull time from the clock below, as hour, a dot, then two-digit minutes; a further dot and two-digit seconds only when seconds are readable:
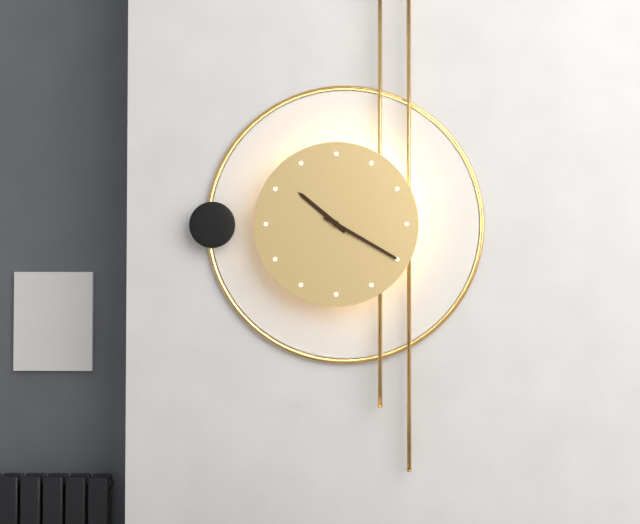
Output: 10.20
